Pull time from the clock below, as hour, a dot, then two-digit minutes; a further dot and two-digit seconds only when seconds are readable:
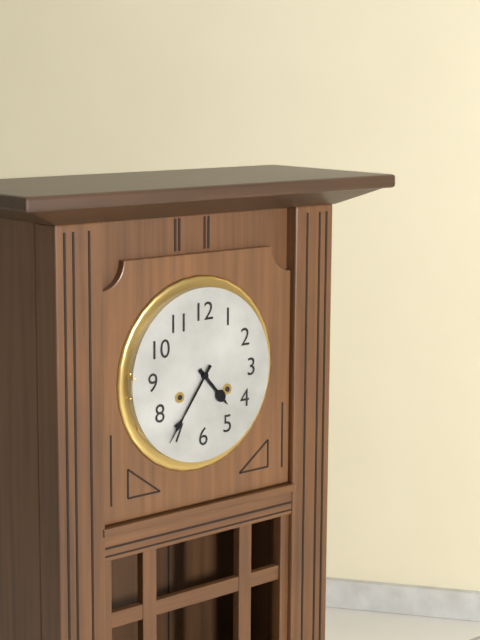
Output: 4.36
